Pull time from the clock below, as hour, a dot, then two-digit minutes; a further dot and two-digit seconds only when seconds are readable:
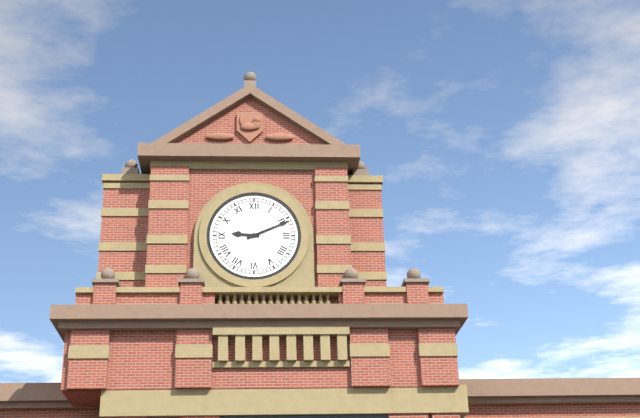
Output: 9.11
